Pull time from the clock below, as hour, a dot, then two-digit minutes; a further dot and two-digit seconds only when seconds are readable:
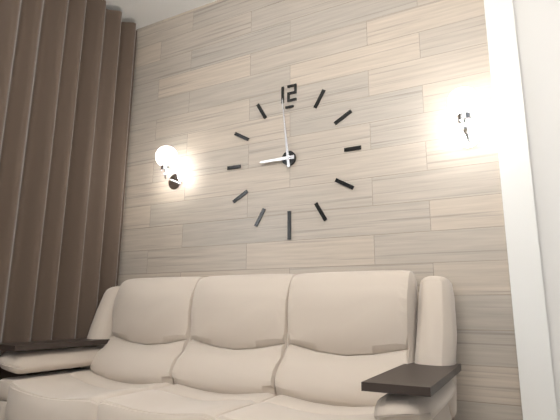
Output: 8.59
